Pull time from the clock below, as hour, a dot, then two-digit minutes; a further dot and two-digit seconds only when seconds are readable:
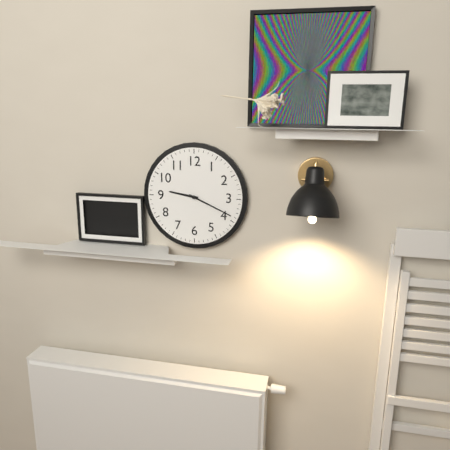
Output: 9.19
